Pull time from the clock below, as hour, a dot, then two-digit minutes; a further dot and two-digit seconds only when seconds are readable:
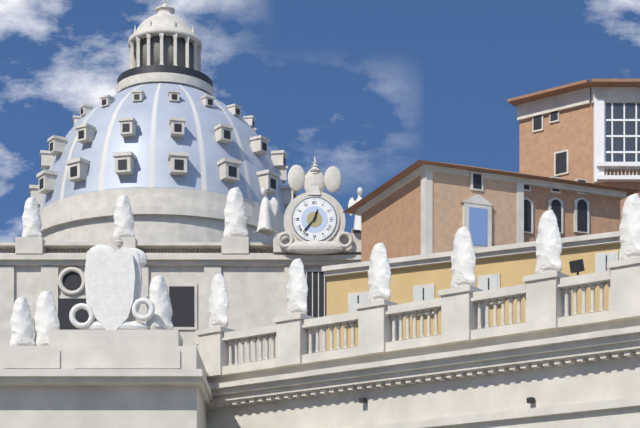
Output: 12.37
